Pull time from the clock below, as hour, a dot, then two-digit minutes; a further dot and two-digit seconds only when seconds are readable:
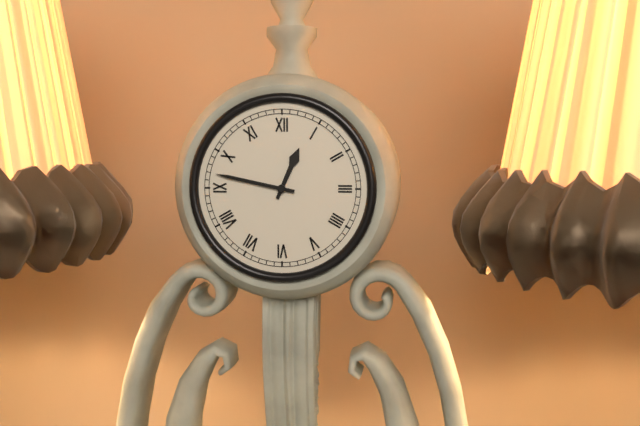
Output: 12.47
